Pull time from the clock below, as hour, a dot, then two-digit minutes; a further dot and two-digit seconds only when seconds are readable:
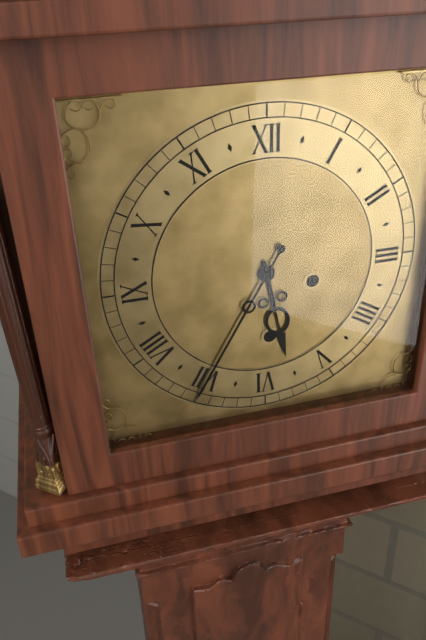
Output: 5.35
